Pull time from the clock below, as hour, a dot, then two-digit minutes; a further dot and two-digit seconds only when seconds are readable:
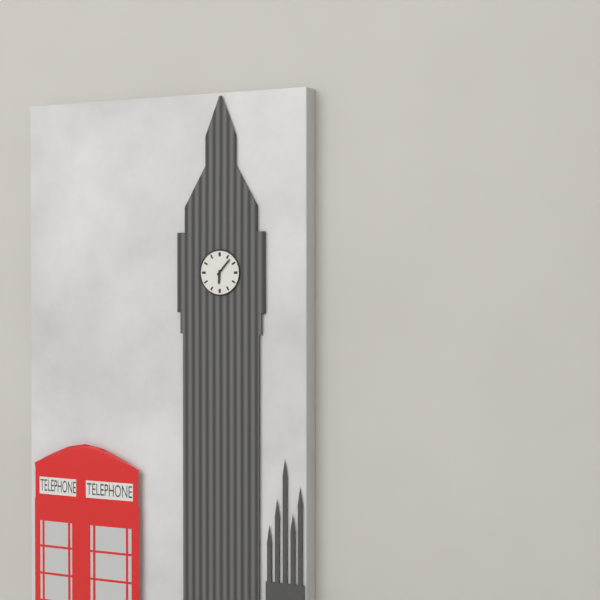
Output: 6.07
